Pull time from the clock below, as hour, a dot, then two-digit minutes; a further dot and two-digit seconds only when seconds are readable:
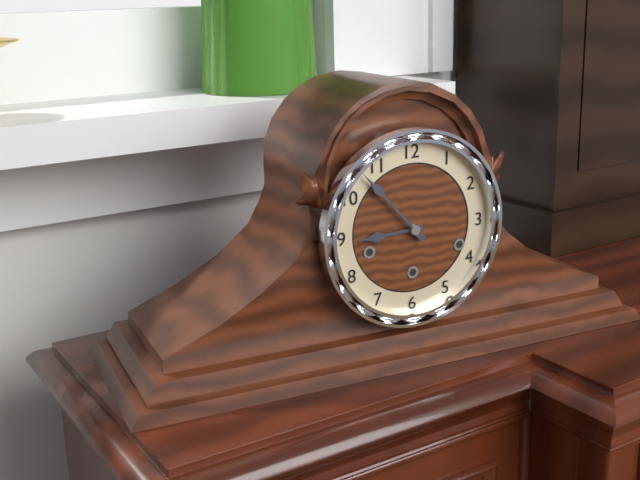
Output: 8.53
